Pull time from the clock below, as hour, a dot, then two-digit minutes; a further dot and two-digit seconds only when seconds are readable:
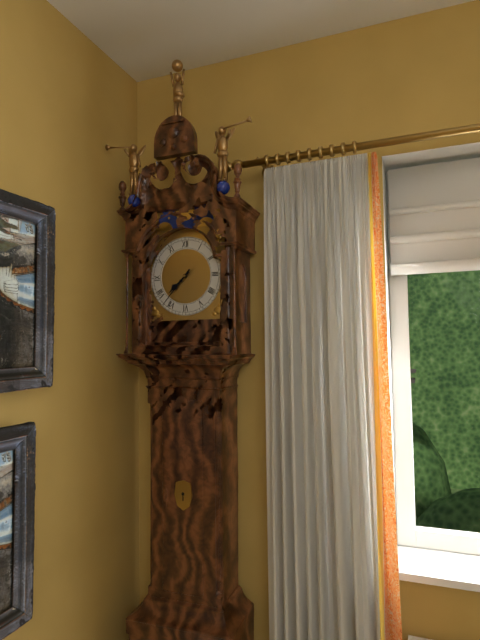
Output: 7.37
